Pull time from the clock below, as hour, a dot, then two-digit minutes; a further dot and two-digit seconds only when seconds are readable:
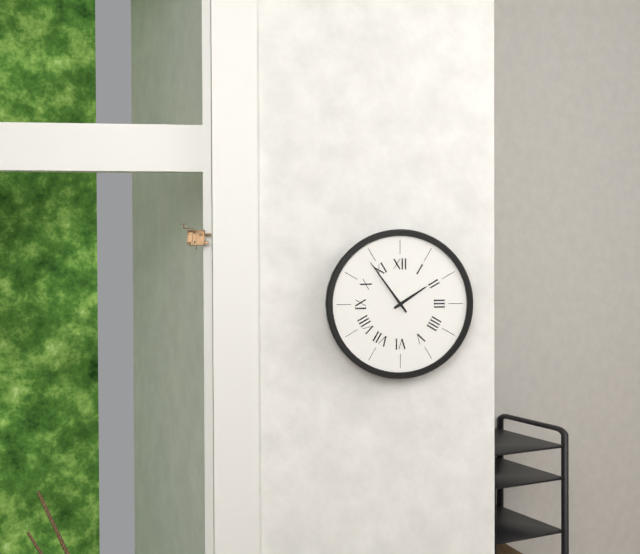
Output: 1.54
